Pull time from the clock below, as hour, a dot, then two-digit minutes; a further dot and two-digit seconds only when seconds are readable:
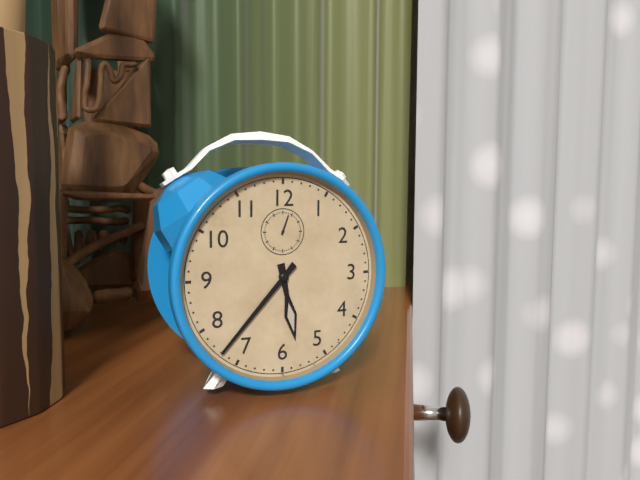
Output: 5.37
